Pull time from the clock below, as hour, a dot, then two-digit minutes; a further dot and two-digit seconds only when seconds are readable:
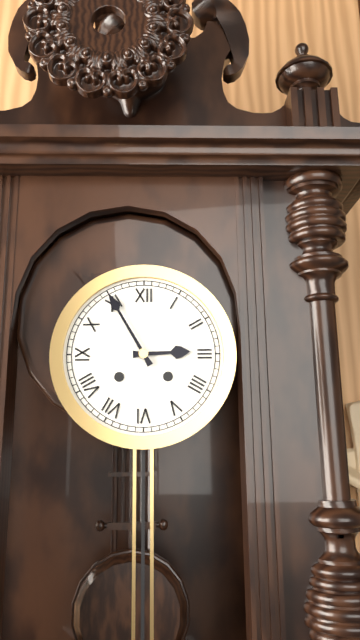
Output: 2.55
